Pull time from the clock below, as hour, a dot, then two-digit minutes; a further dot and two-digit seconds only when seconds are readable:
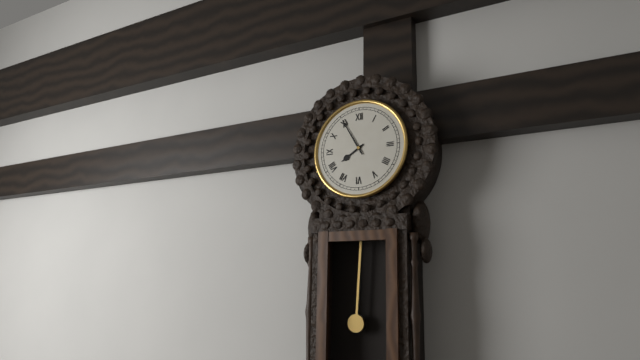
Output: 7.55
